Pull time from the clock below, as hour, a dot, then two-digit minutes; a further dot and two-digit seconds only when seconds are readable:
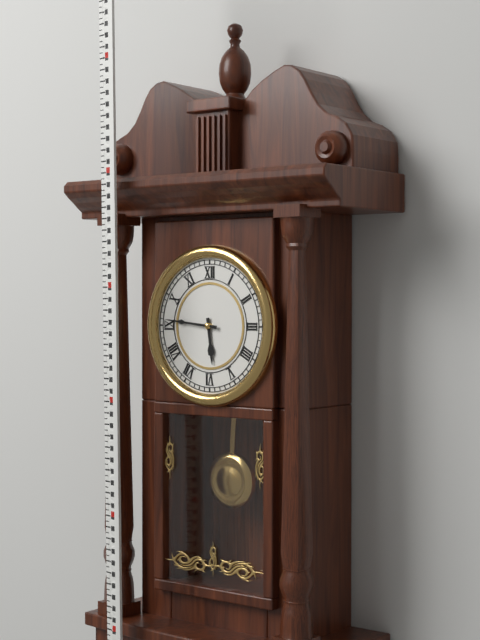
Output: 5.46
